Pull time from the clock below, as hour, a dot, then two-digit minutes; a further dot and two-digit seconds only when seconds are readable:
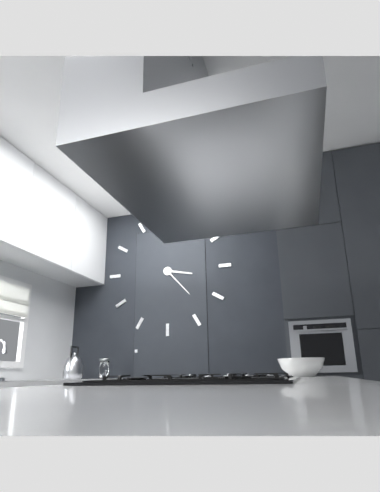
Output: 3.23
